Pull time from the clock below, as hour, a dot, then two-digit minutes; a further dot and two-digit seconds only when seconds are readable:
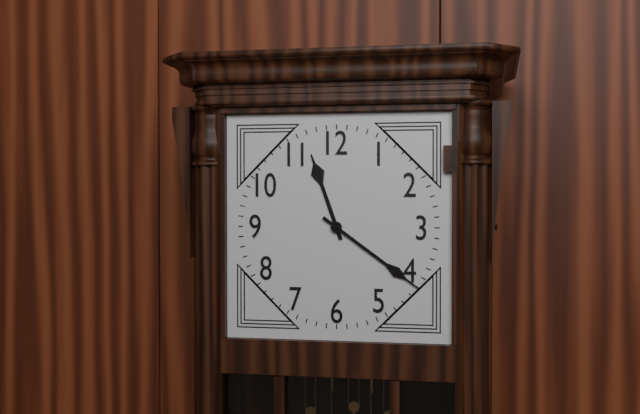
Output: 11.21
